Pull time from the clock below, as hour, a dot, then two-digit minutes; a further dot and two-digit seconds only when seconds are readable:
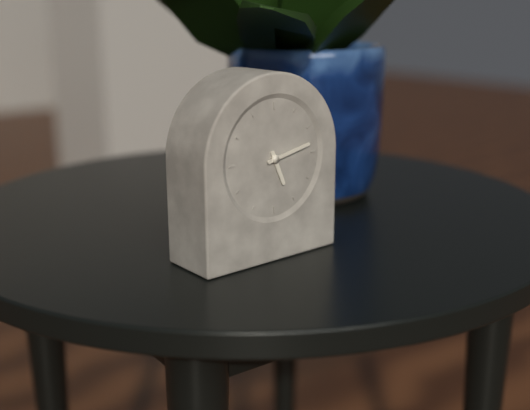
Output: 5.13
